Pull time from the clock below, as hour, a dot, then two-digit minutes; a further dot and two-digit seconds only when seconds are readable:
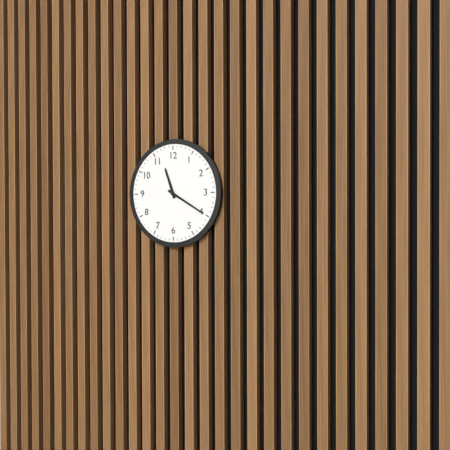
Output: 11.20
